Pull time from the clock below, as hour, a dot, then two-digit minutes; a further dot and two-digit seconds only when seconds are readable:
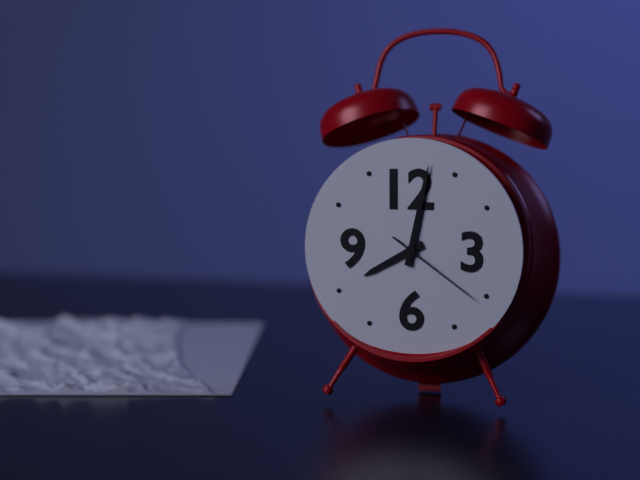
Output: 8.02.21
